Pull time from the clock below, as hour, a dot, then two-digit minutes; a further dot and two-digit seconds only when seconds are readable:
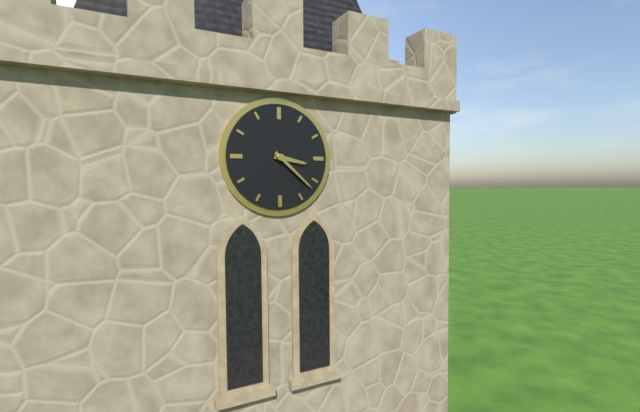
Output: 3.22
